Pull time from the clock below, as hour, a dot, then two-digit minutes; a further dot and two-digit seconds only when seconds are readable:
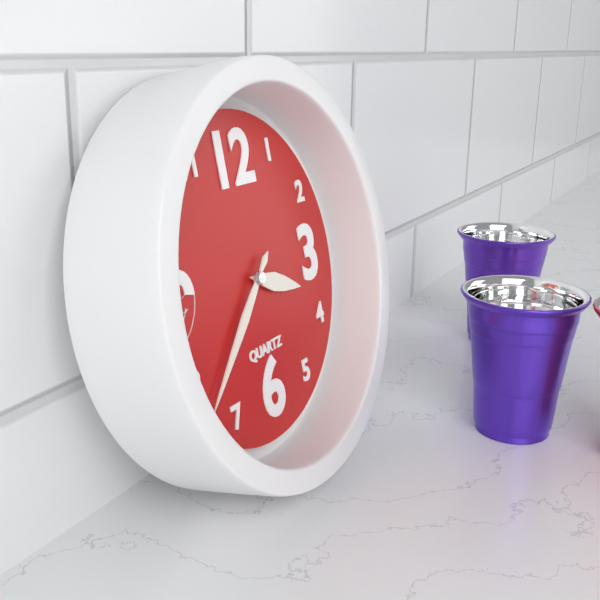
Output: 3.38
